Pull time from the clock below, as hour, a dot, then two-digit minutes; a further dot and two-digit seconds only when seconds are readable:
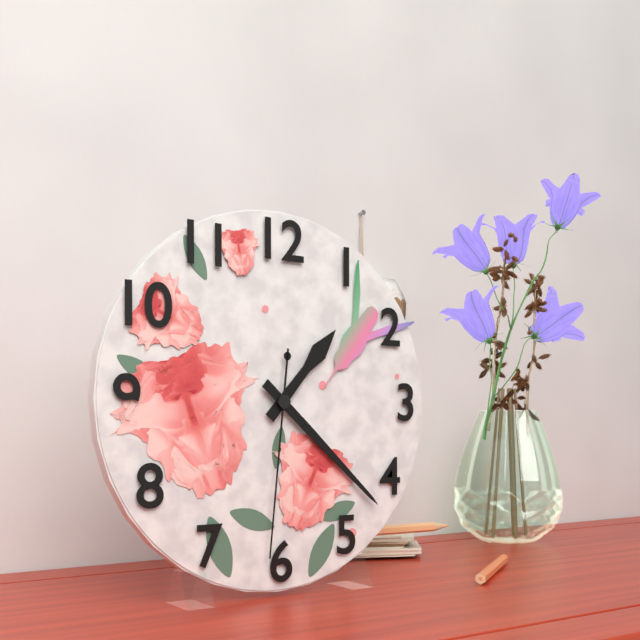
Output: 1.22.31
